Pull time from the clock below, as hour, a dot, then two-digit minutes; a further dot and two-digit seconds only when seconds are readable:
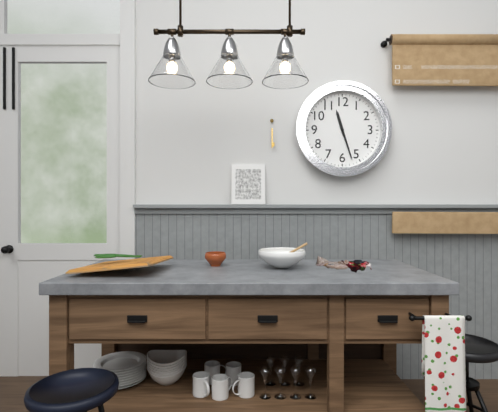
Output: 11.27
